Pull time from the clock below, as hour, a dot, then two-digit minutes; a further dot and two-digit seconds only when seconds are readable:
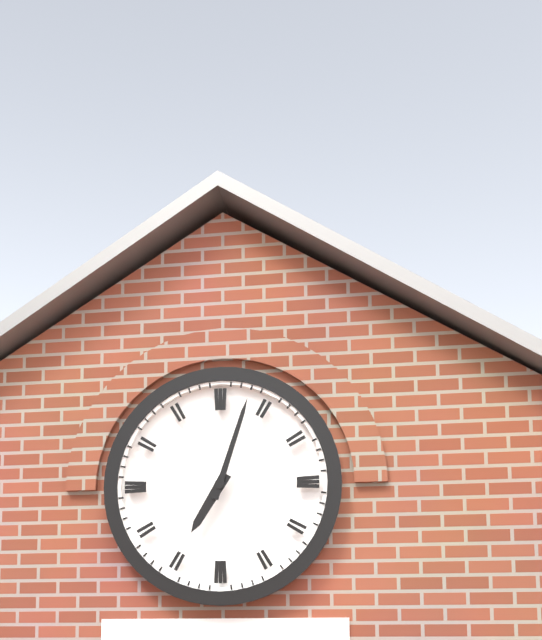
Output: 7.03
